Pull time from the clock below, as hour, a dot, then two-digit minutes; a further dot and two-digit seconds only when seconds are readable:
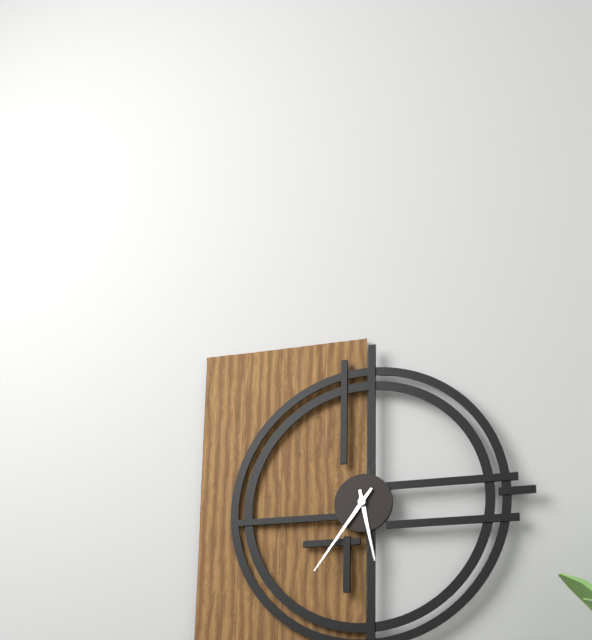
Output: 5.36
